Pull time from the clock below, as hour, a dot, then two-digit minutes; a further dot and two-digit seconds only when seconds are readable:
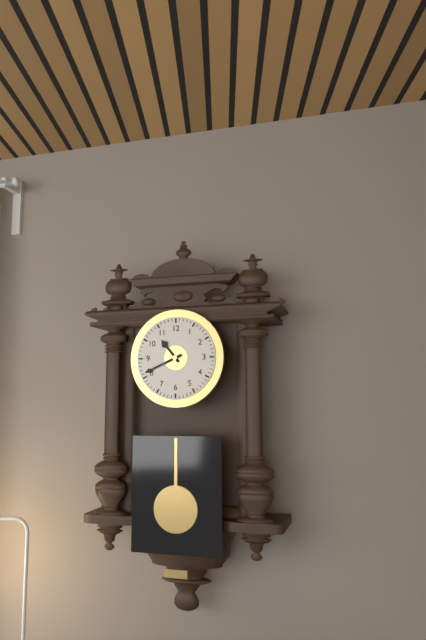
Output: 10.41
